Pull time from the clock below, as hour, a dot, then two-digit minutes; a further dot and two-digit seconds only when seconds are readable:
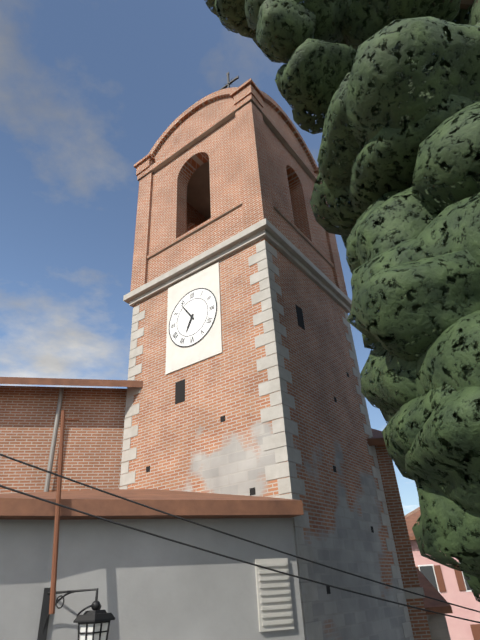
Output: 6.54
